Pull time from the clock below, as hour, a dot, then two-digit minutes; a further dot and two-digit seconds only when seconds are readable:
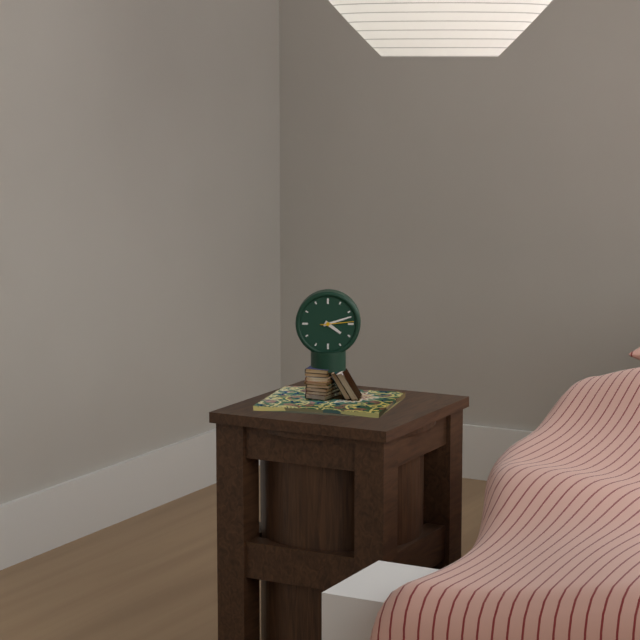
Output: 4.12
